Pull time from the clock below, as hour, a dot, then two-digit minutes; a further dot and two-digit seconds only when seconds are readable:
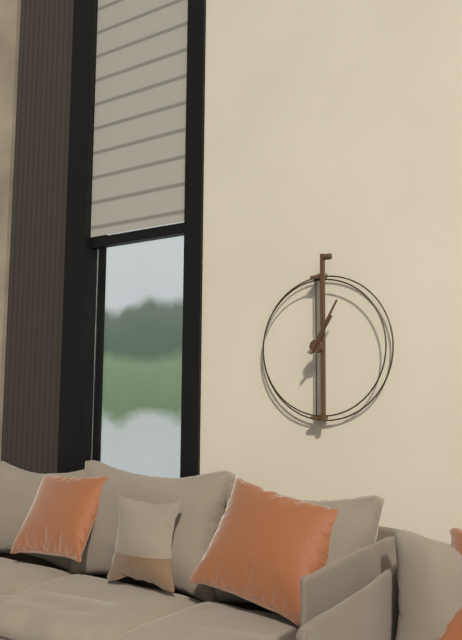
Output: 1.05
